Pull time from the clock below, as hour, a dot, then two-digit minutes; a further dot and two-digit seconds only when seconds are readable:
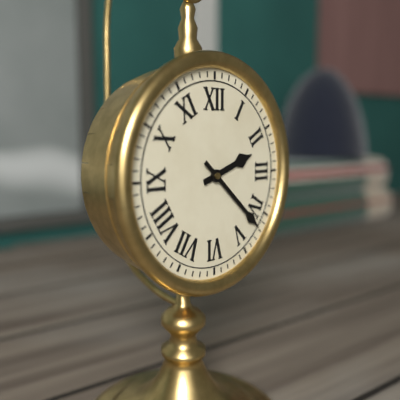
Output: 2.22
